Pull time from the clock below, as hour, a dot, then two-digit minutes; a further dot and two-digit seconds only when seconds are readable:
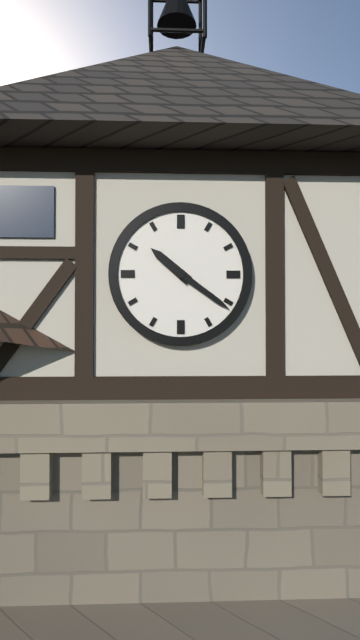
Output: 10.21
